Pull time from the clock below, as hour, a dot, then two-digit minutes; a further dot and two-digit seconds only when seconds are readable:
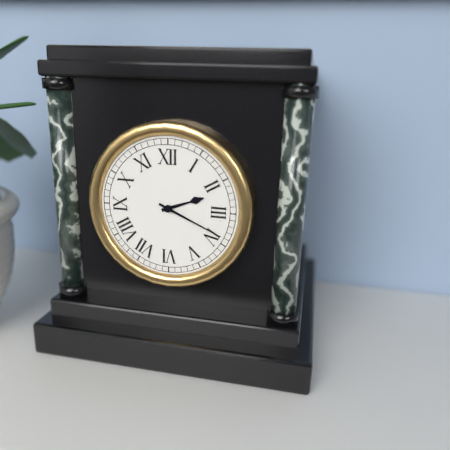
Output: 2.19
